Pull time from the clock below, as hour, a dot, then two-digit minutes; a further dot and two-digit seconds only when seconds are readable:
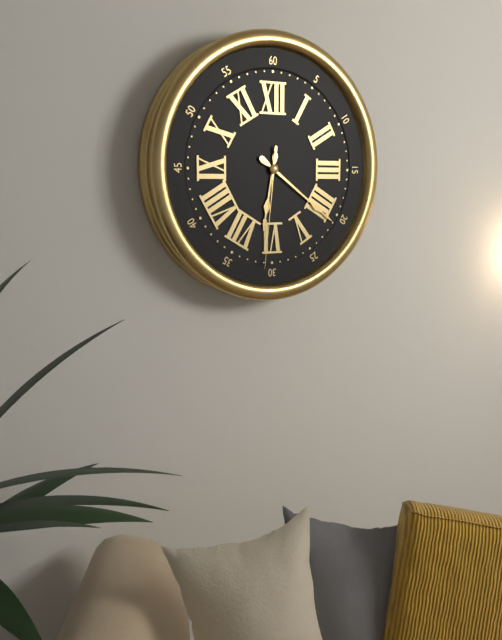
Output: 6.21.31
